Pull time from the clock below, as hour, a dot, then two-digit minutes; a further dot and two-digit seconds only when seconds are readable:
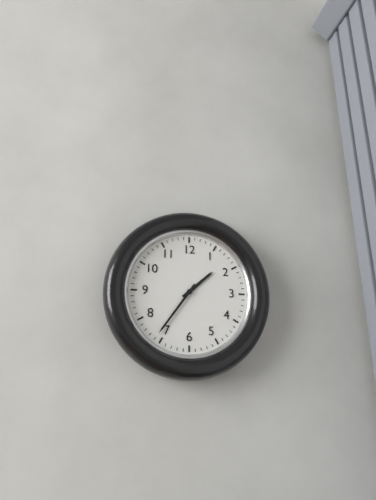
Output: 1.36
